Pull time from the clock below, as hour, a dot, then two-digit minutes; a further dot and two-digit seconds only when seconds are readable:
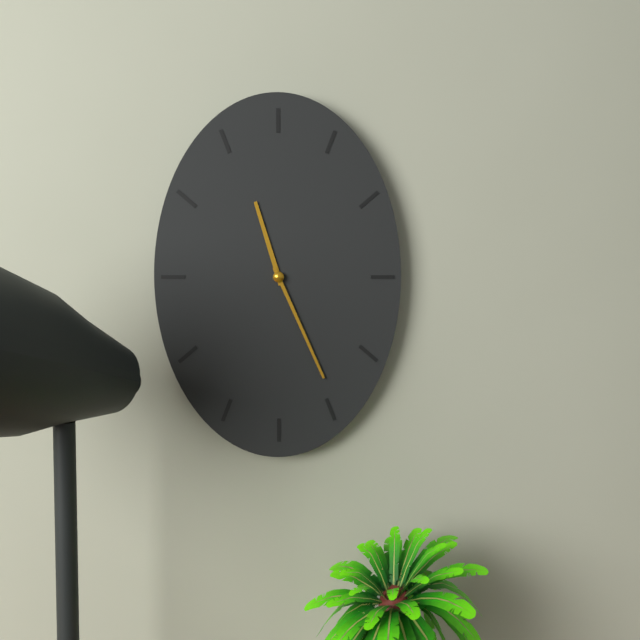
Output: 11.26
